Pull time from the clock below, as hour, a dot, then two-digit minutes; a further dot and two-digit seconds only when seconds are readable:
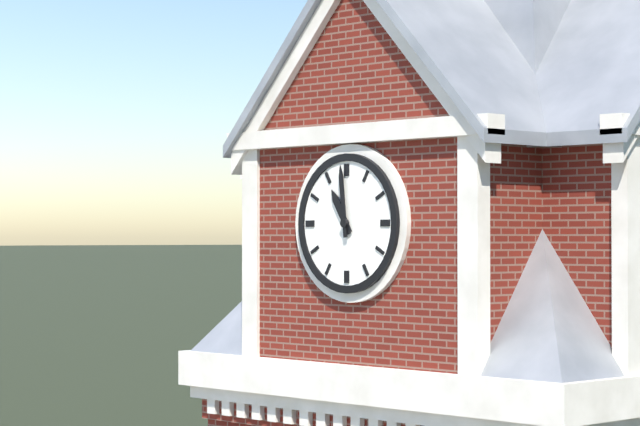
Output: 10.59
